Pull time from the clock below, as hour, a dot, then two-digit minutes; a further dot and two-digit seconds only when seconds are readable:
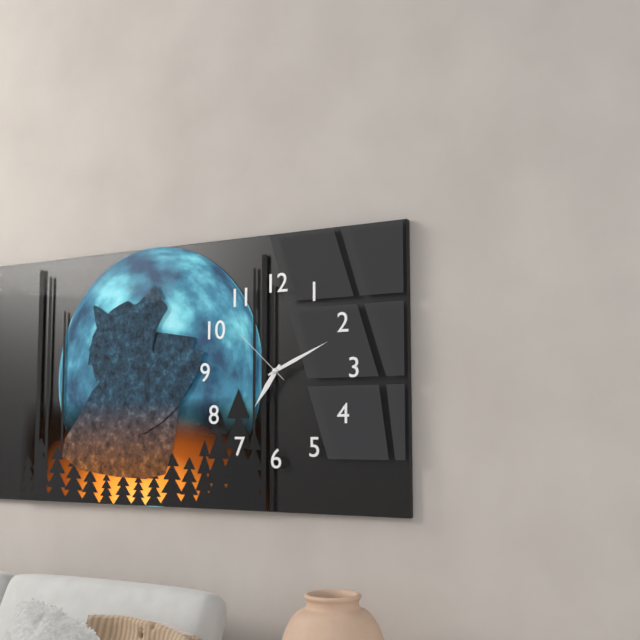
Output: 7.11.52
